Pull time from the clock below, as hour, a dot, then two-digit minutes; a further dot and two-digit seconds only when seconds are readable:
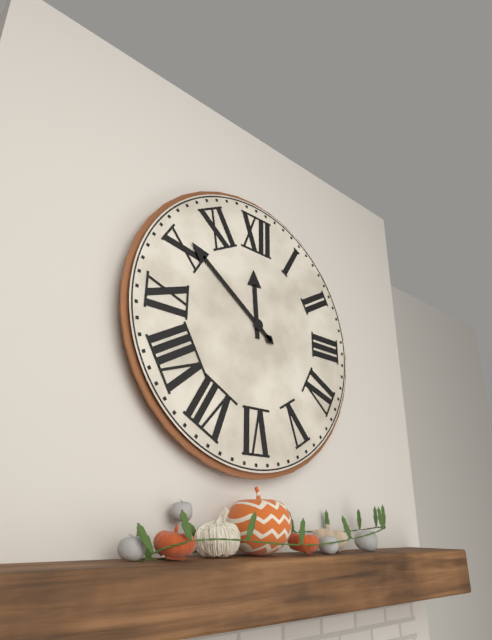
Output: 11.51
